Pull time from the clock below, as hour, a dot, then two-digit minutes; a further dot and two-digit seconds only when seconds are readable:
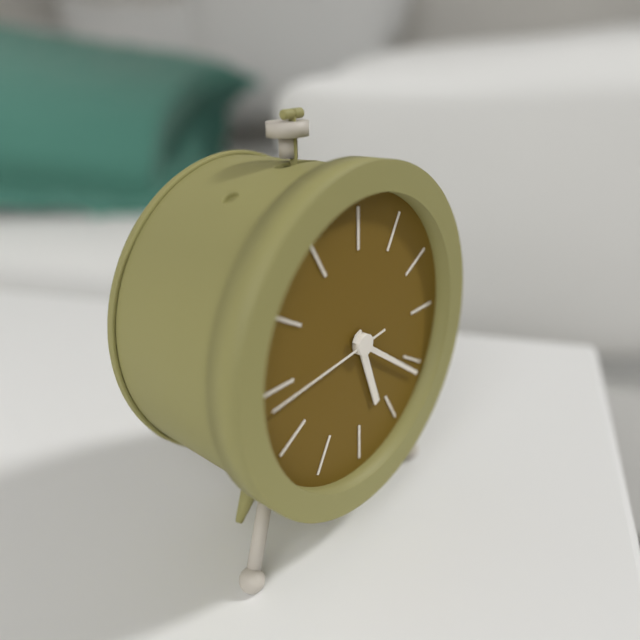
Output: 5.21.44
